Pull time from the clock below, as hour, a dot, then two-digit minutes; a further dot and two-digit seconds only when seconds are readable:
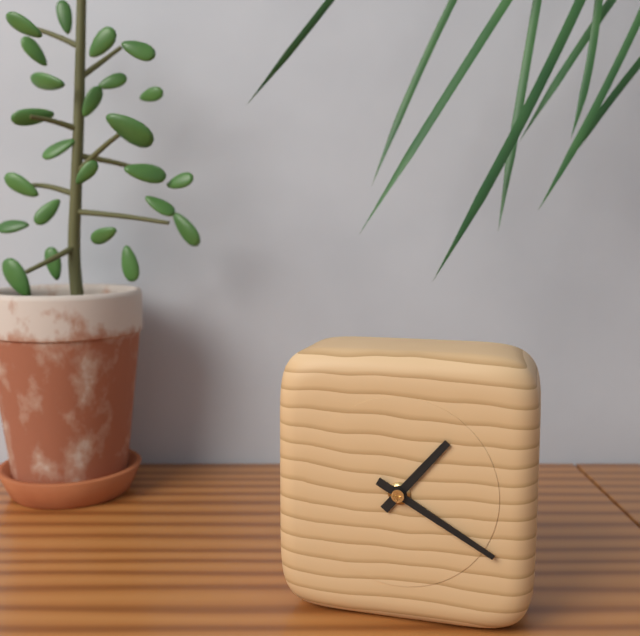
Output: 1.20
